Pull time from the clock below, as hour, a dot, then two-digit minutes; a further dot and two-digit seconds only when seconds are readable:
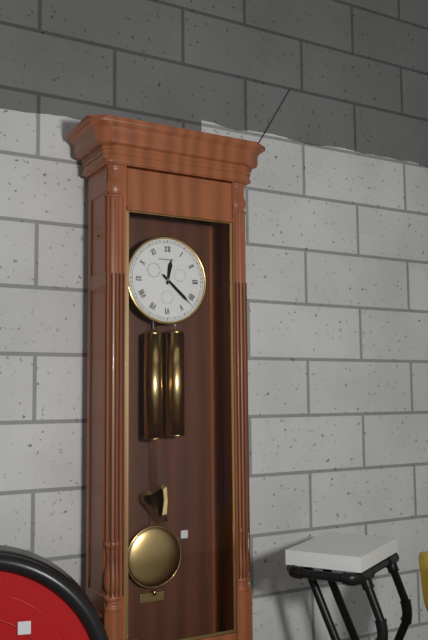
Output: 12.22
